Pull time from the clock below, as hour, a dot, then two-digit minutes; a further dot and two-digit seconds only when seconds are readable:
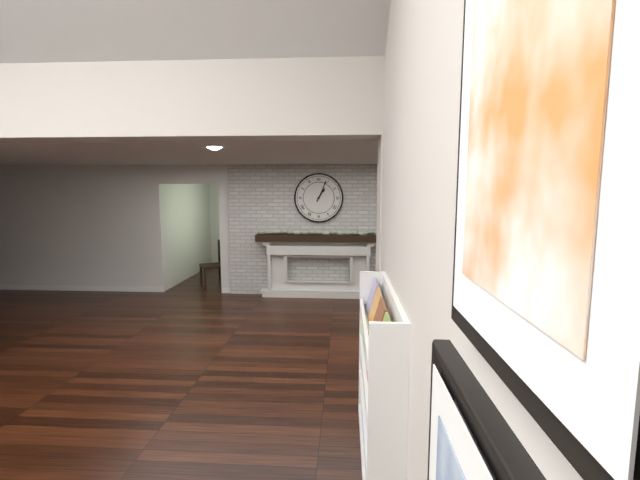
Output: 1.04
